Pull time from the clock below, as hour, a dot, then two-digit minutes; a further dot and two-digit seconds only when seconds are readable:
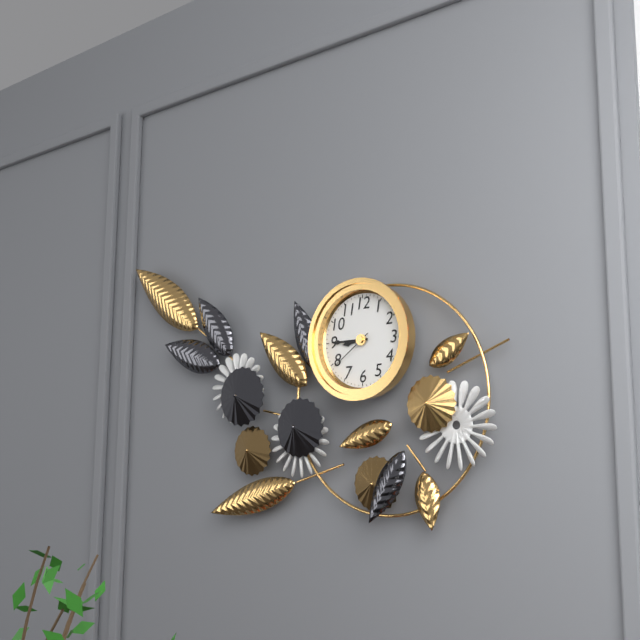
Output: 8.45
